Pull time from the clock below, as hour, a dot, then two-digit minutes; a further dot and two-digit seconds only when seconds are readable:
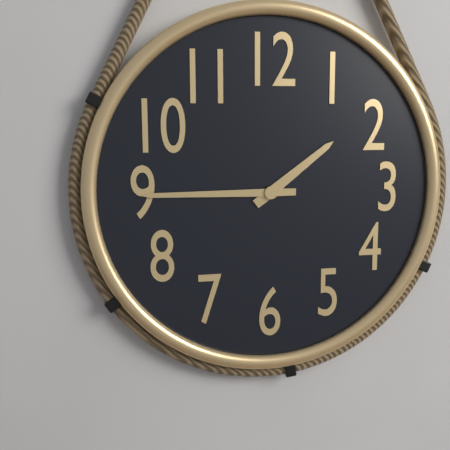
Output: 1.45
